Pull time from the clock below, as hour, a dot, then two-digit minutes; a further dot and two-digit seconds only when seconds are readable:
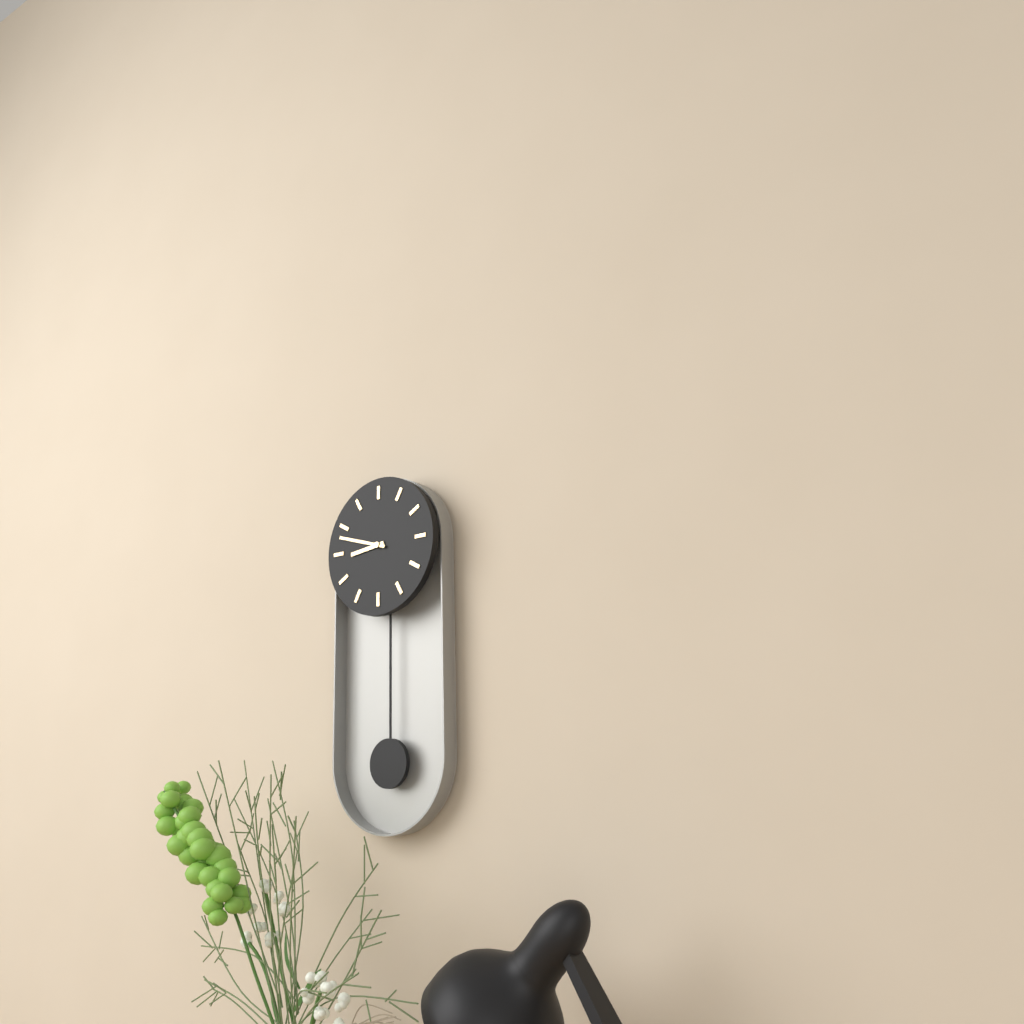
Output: 8.48
